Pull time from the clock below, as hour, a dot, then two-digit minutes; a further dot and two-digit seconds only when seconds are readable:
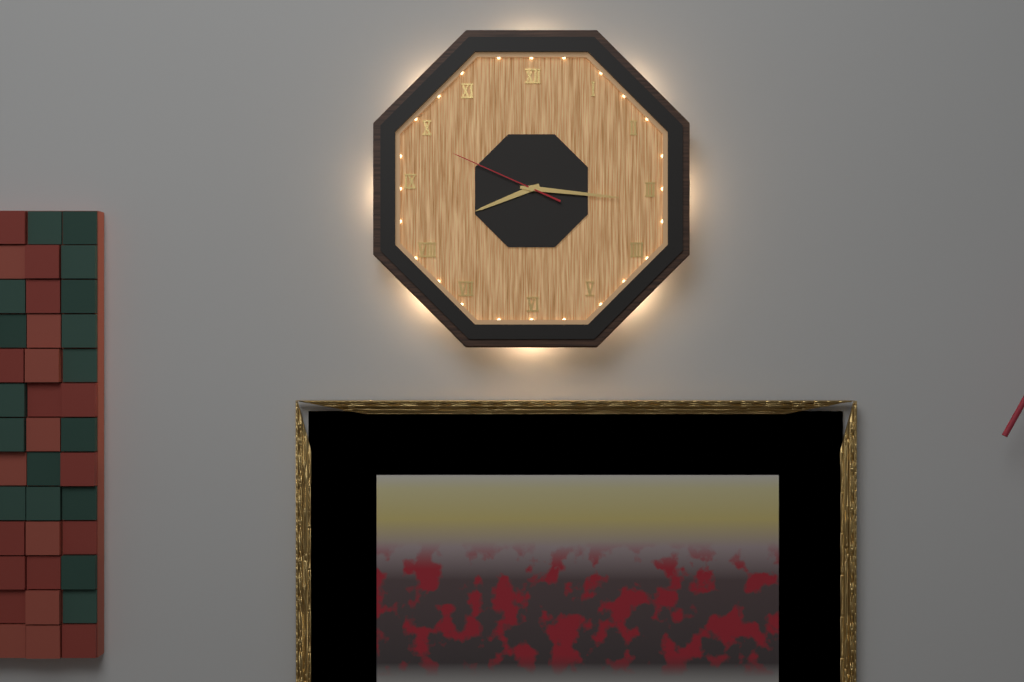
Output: 8.16.49
